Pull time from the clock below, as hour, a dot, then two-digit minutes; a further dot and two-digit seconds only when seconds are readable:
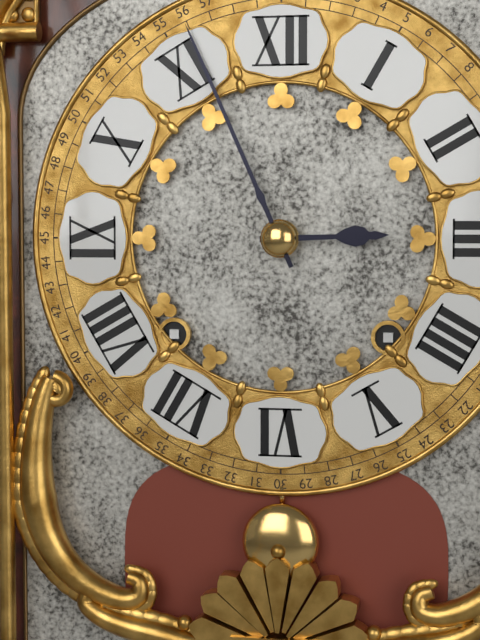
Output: 2.56
